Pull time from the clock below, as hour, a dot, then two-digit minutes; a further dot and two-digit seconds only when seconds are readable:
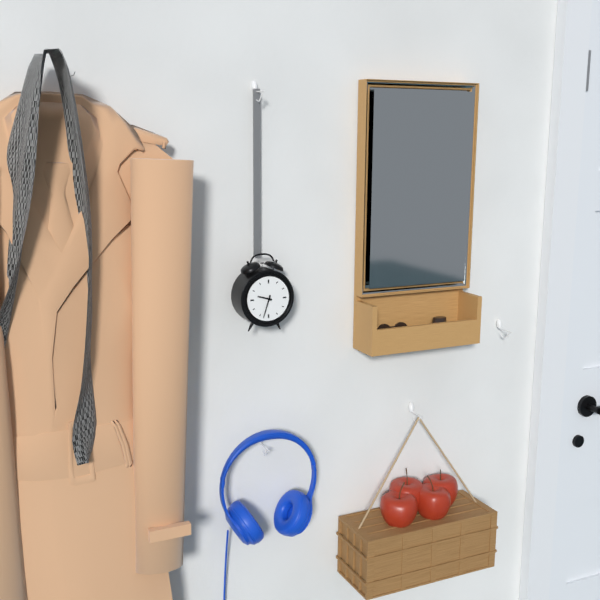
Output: 9.33
